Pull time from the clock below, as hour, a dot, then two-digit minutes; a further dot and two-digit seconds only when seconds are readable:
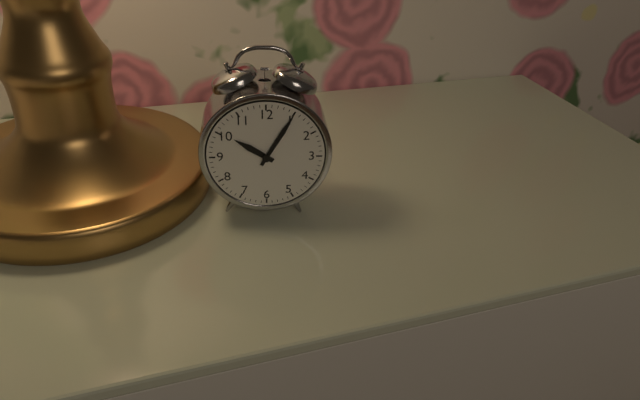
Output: 10.05
